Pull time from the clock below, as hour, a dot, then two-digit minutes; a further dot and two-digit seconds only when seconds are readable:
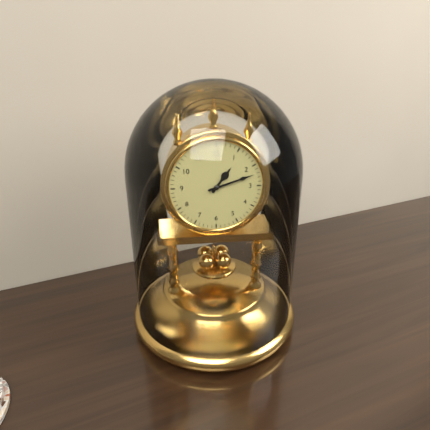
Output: 1.12
